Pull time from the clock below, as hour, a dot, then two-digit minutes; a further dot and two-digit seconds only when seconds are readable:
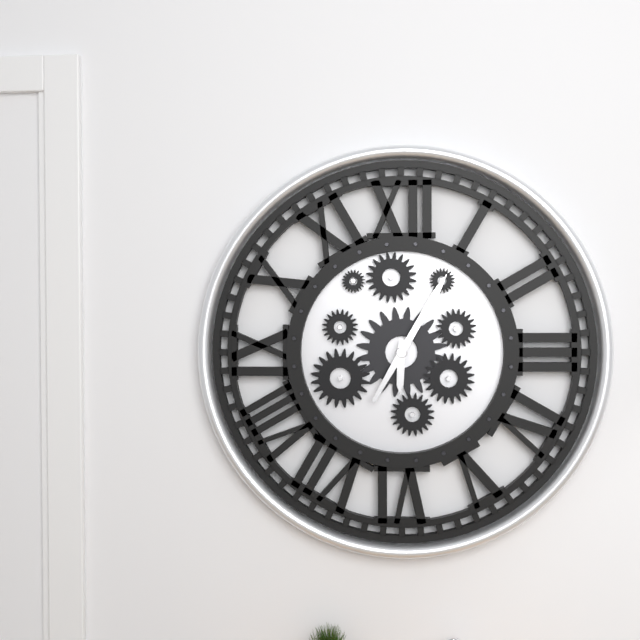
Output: 6.05
